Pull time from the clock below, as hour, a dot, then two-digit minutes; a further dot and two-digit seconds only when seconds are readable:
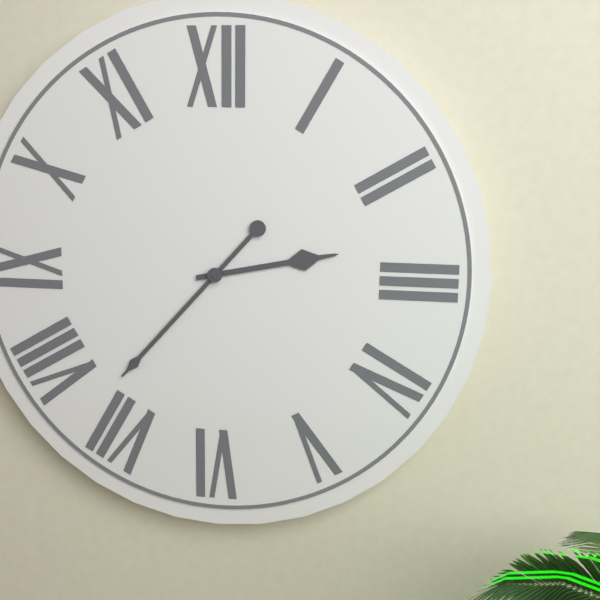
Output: 2.37
